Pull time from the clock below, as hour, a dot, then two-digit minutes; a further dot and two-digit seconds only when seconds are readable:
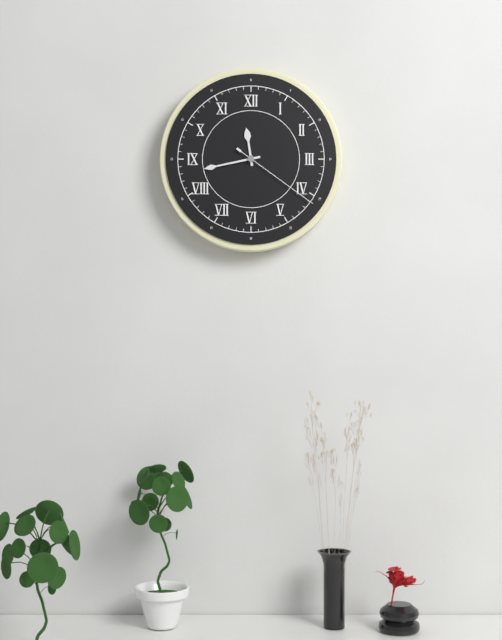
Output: 11.43.21
